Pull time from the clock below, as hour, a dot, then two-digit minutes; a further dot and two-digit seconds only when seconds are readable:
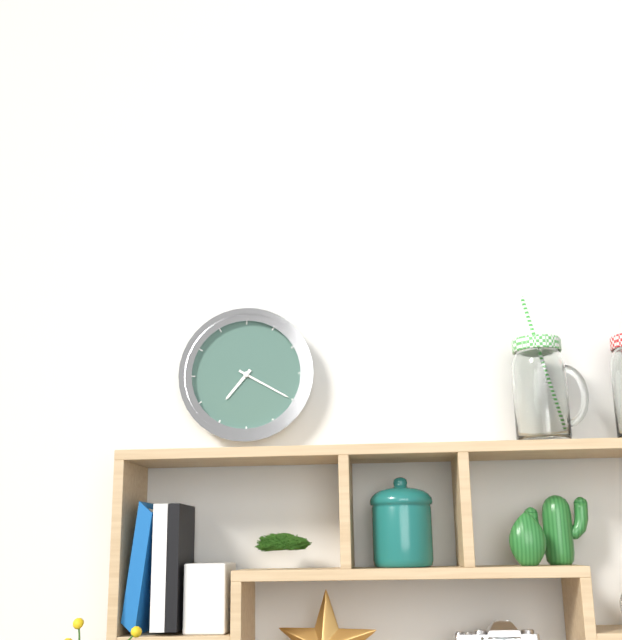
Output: 7.20
